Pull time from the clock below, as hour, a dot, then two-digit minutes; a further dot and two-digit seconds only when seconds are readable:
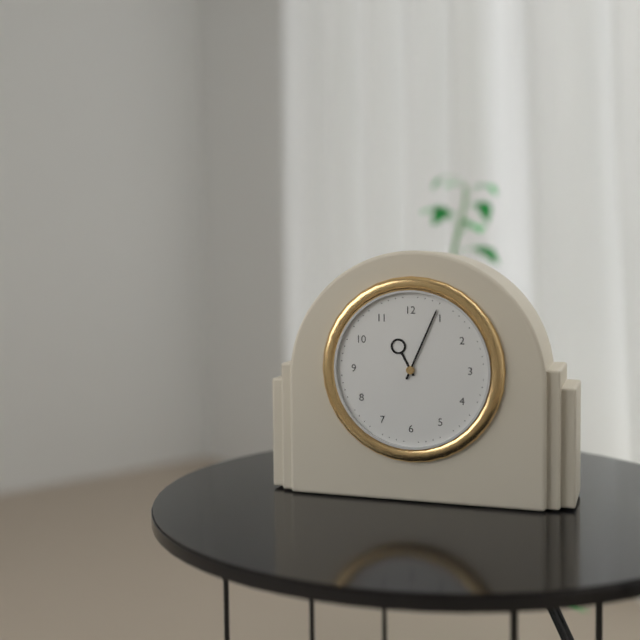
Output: 11.04
